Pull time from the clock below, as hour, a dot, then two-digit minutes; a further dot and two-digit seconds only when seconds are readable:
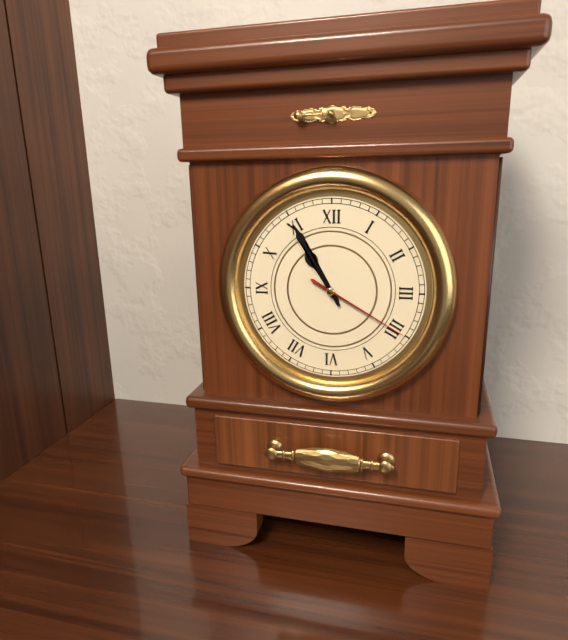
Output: 10.55.20
